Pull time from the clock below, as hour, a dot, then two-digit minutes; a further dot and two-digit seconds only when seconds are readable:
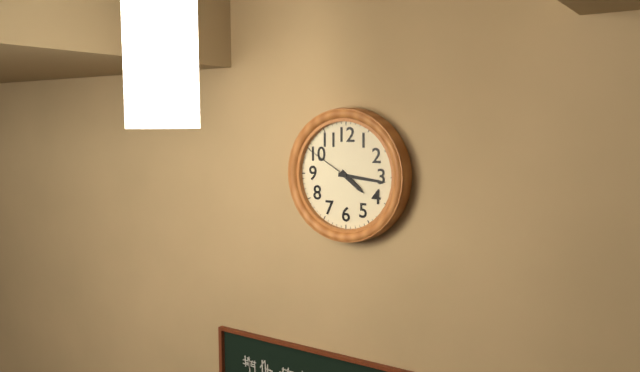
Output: 4.16.50
